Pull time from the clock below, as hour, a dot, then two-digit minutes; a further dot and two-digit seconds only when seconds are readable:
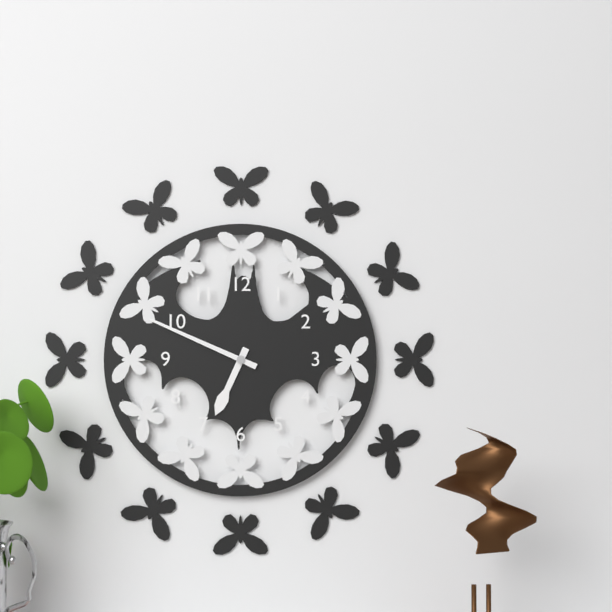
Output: 6.49
